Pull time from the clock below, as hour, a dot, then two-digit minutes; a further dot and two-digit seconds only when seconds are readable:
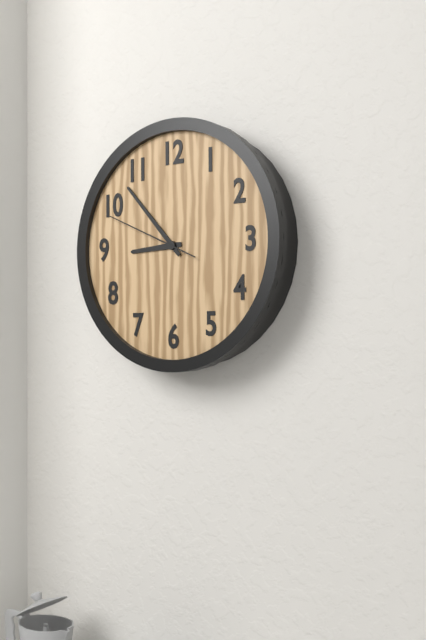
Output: 8.53.49
